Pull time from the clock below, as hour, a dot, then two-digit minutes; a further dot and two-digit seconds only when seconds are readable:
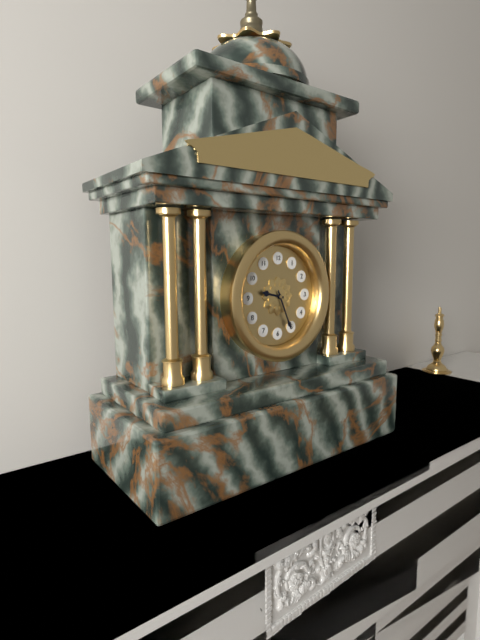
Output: 9.26
